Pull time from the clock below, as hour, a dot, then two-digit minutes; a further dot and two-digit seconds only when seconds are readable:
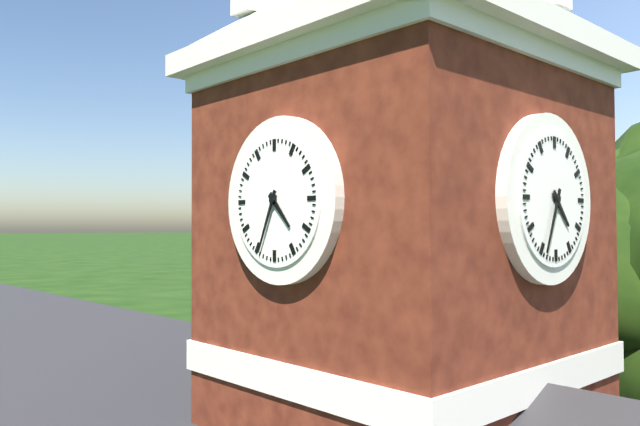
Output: 4.34
